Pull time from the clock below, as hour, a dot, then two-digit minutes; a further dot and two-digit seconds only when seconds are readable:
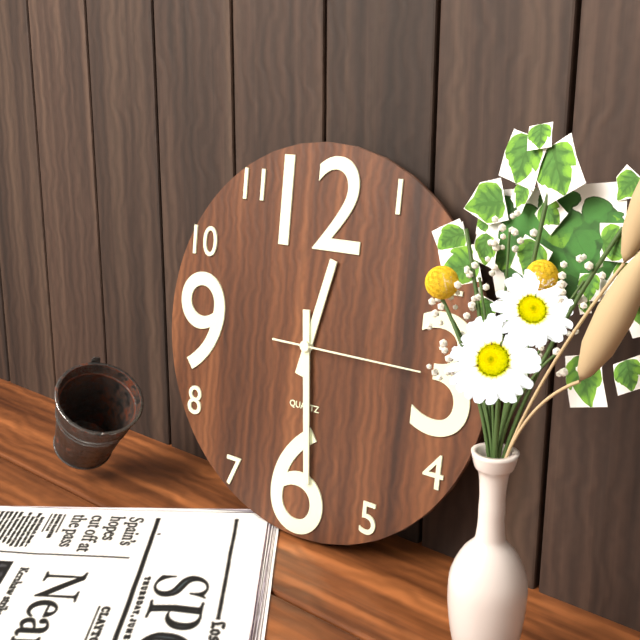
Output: 12.29.15
